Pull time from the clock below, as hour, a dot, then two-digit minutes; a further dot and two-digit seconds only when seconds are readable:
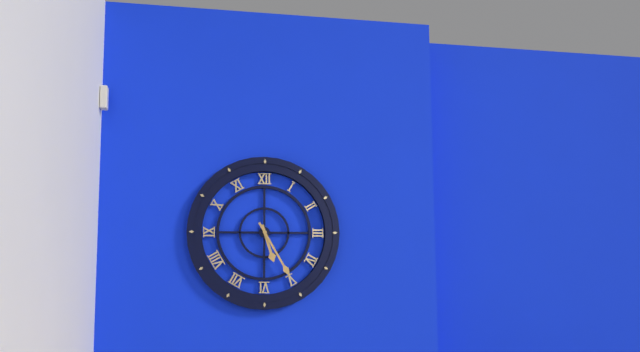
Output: 5.25
